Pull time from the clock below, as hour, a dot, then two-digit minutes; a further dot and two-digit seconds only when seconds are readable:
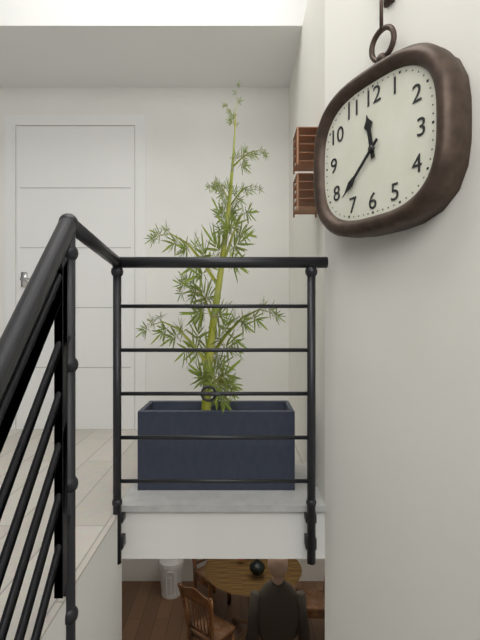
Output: 11.38
